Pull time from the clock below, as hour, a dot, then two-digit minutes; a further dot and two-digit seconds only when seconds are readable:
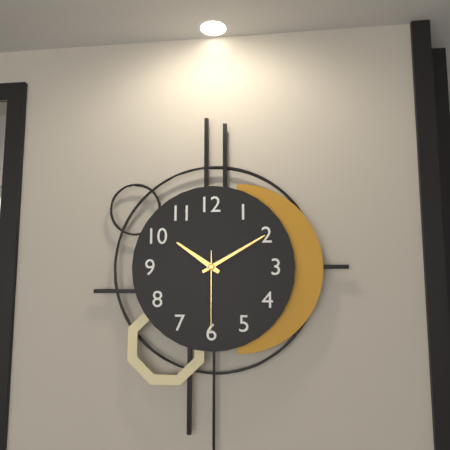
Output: 10.10.30
